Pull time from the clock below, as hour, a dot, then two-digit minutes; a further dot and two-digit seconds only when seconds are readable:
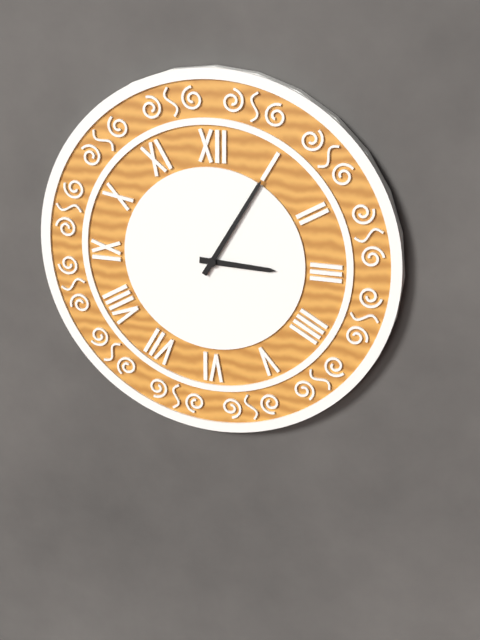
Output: 3.05
